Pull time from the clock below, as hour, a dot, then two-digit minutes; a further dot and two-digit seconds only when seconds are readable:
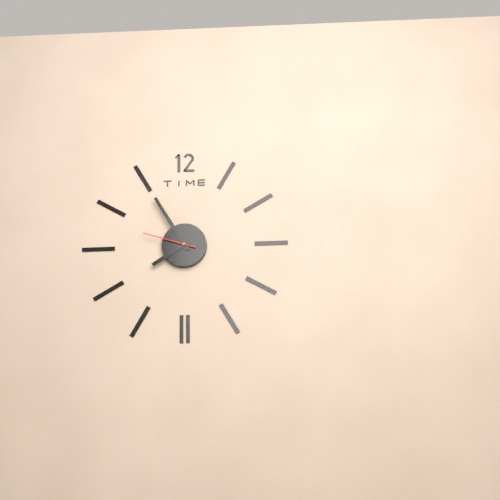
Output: 7.55.48
